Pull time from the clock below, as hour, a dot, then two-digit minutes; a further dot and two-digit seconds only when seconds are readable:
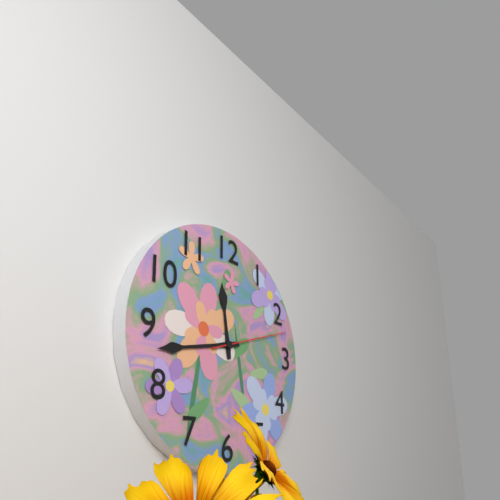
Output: 11.43.12
